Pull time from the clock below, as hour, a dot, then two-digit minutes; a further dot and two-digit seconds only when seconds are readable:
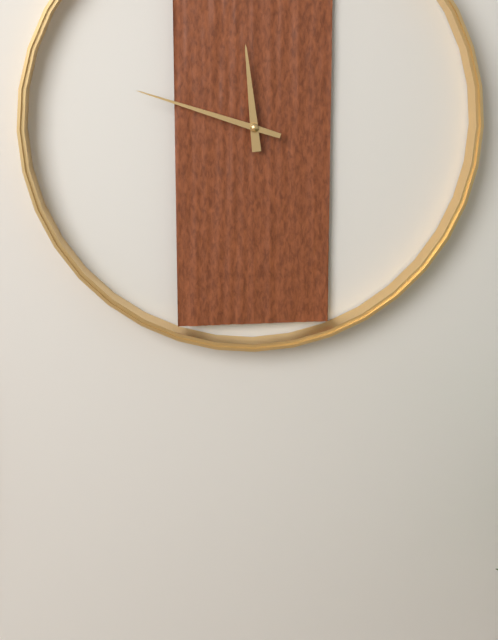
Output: 11.48
